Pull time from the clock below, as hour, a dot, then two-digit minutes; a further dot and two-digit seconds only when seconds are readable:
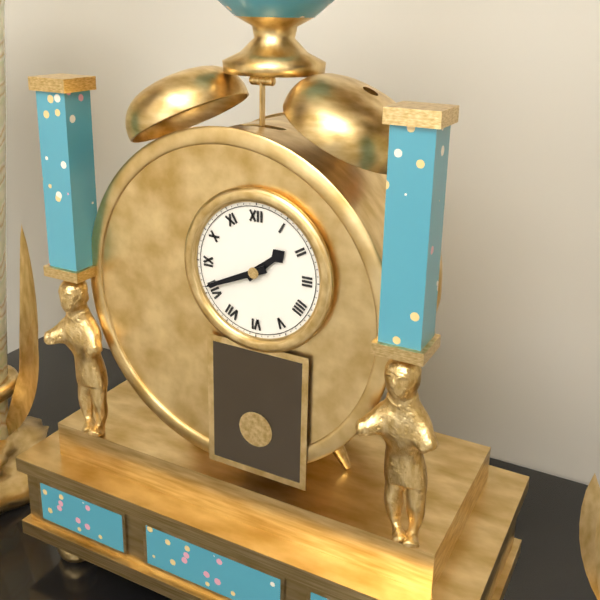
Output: 1.41
